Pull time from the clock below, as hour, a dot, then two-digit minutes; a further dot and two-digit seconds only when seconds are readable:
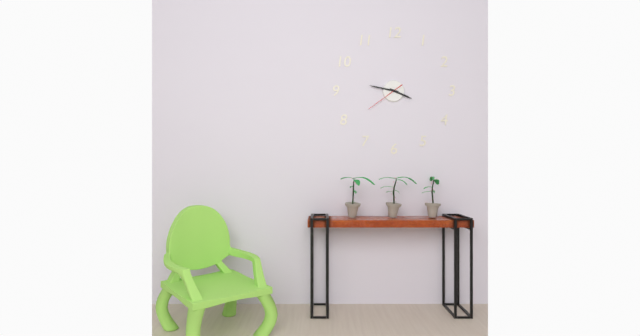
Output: 3.47
